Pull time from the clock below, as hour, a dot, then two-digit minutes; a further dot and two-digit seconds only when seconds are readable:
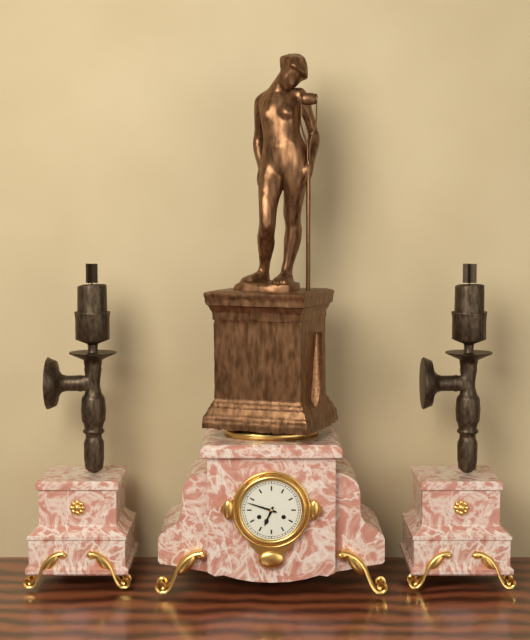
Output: 6.48
